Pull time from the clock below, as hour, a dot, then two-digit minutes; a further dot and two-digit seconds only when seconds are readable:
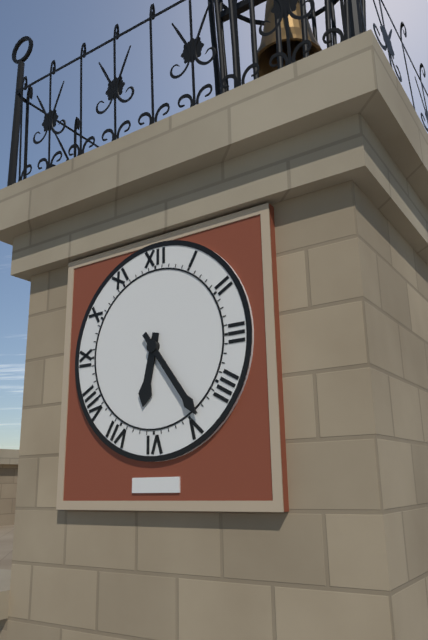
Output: 6.24
